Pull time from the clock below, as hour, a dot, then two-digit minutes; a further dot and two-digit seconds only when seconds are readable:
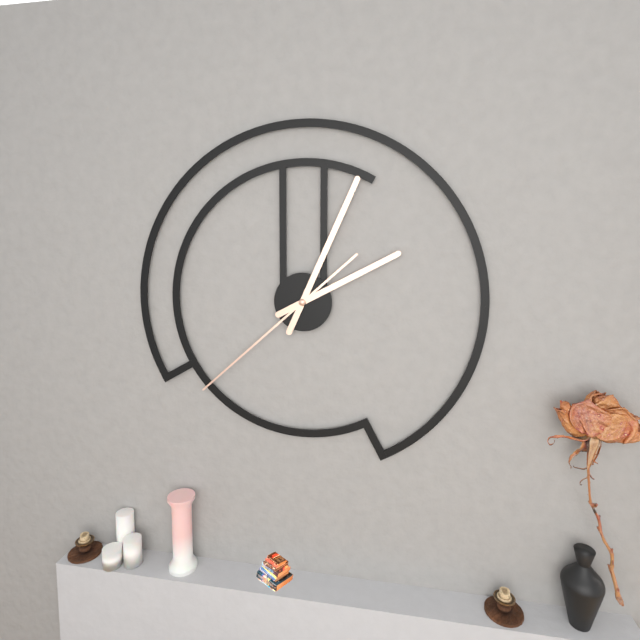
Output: 2.04.38
